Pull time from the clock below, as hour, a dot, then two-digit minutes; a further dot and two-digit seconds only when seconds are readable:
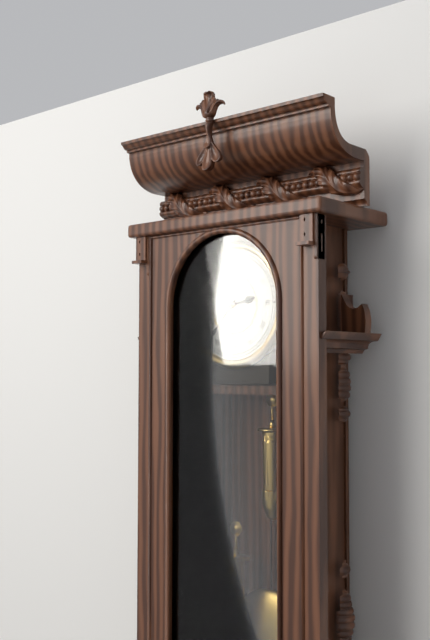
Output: 2.37
